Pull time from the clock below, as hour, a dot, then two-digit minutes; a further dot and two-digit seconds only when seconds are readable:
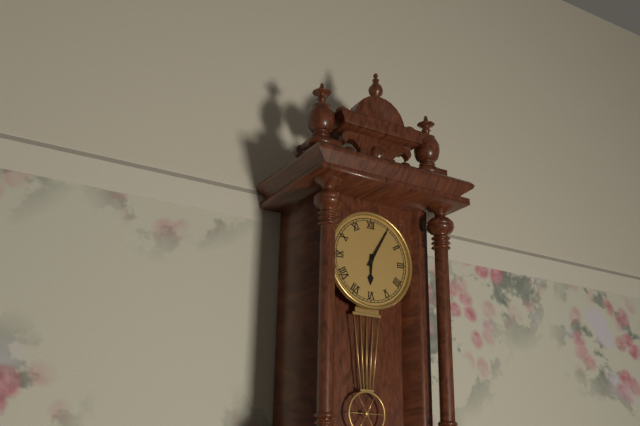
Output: 6.05
